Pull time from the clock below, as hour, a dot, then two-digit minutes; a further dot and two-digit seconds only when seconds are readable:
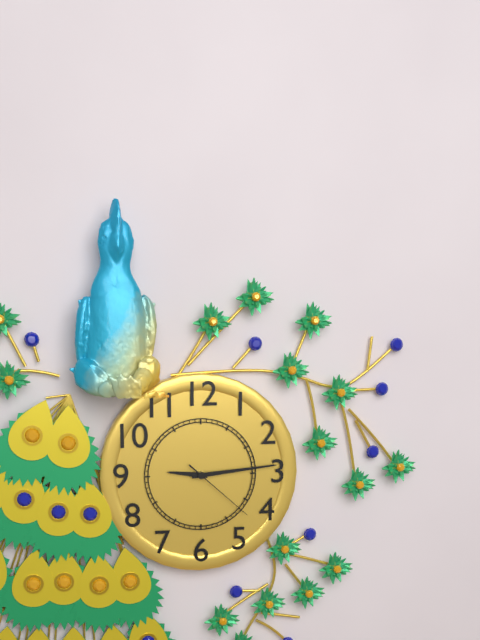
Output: 9.14.22
